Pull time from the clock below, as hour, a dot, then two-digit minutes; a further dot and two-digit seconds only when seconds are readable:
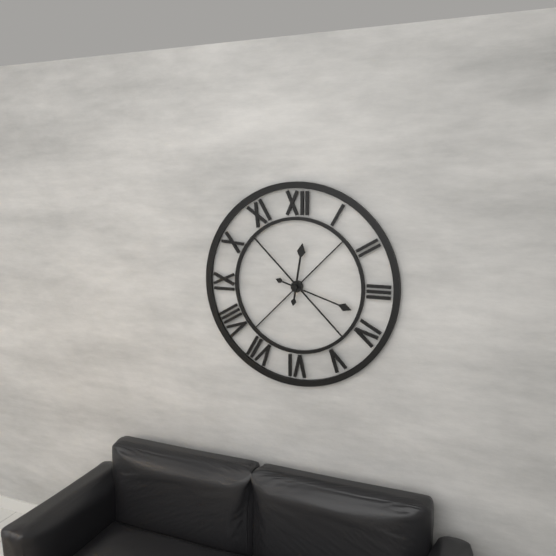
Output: 12.18
